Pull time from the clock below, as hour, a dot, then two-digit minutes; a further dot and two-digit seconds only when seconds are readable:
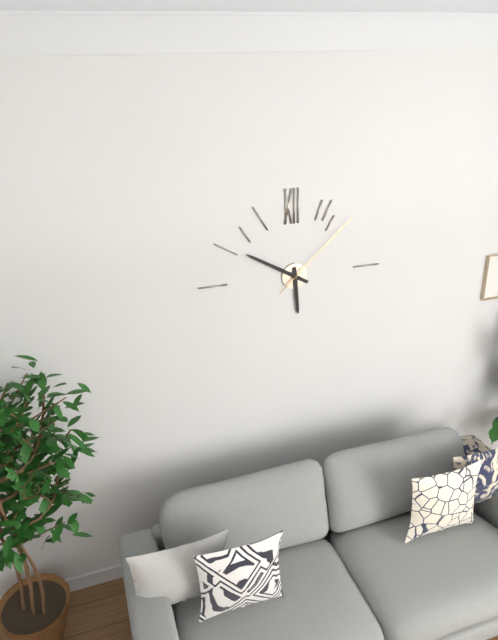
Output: 5.50.08
